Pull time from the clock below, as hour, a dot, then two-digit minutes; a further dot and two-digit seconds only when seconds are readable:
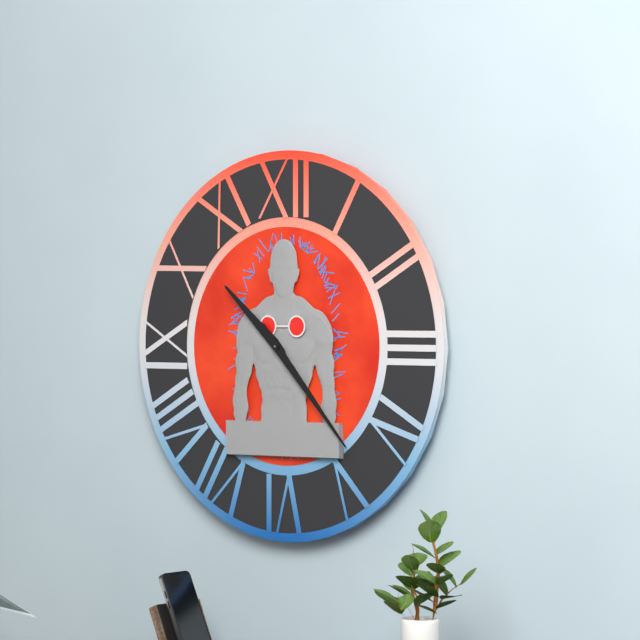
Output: 10.23
